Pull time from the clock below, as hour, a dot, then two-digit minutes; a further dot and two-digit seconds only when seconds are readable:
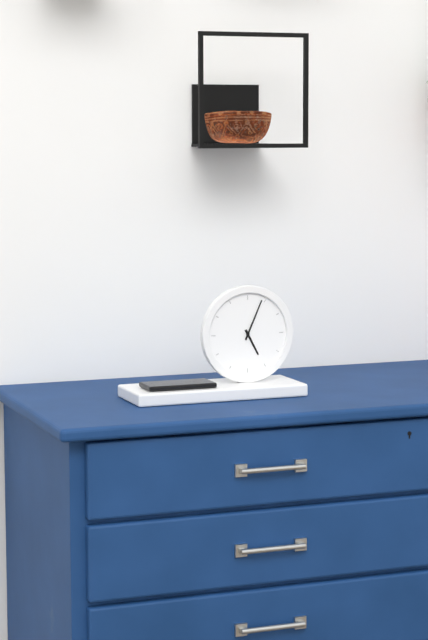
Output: 5.04
